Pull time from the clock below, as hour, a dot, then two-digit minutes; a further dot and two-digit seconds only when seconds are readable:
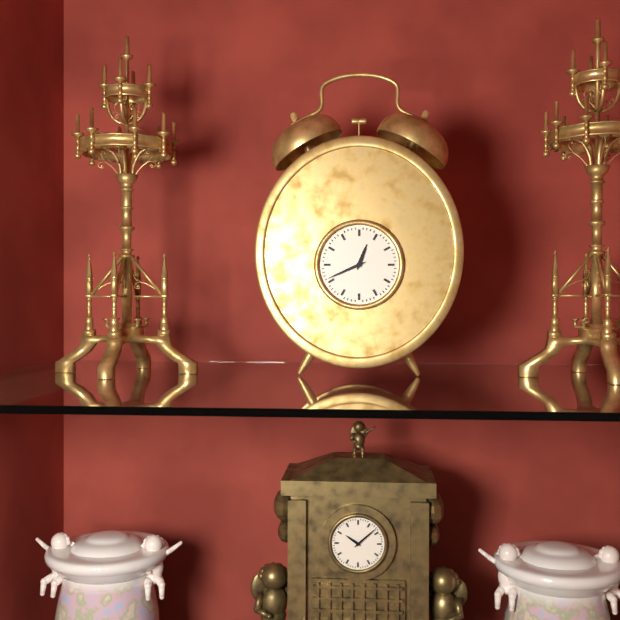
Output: 12.41
